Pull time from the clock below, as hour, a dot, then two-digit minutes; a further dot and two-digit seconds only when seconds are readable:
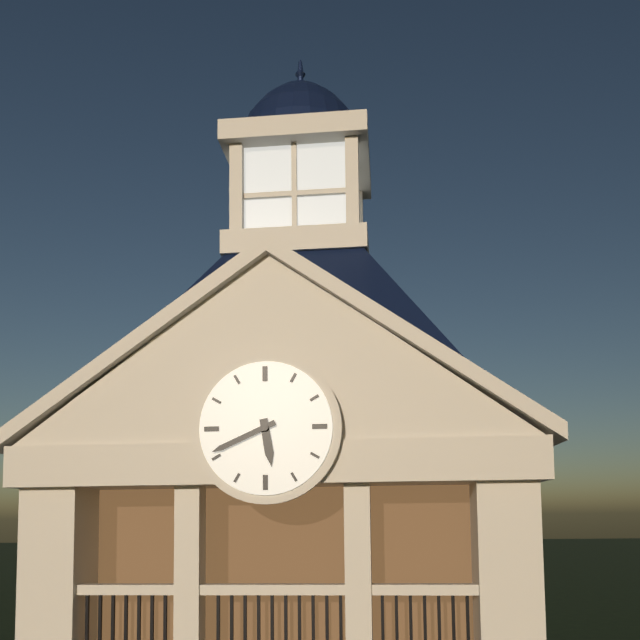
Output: 5.41
